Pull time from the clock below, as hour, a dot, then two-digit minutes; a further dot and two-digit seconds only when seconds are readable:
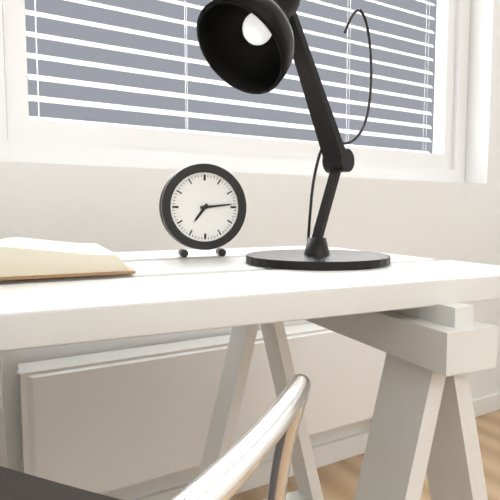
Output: 7.14
